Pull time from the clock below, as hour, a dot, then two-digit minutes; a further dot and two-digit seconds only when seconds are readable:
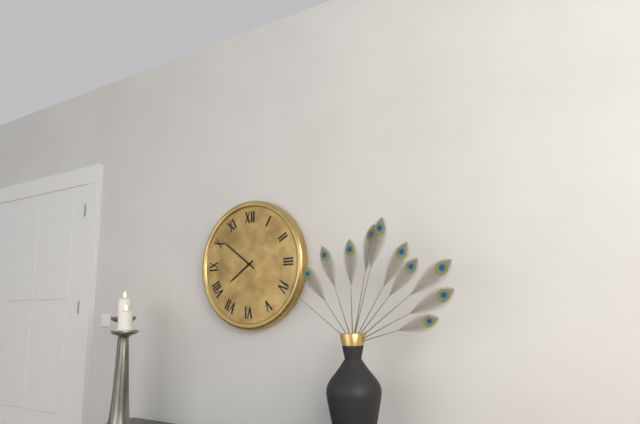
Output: 7.51
